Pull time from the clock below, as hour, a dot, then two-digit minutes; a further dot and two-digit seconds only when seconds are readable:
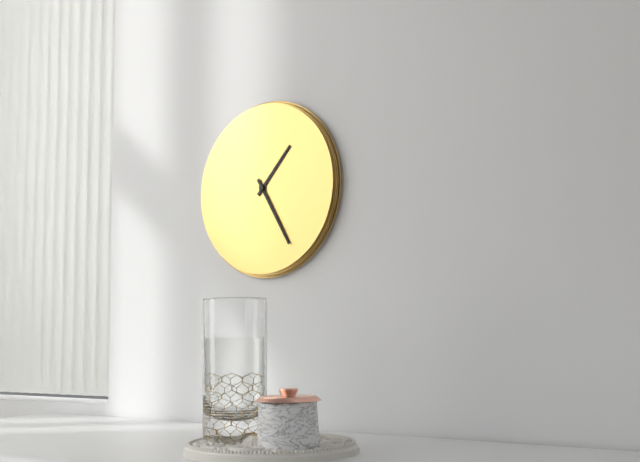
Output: 1.25
